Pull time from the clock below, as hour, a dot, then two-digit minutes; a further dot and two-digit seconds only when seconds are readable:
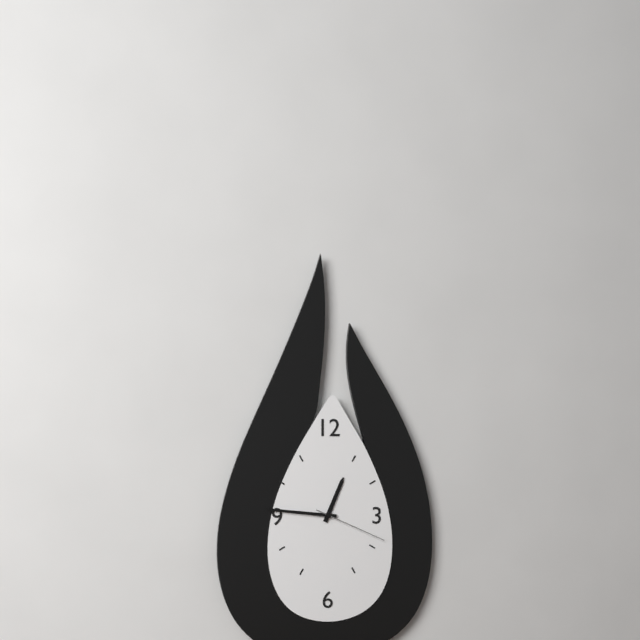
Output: 12.46.19
